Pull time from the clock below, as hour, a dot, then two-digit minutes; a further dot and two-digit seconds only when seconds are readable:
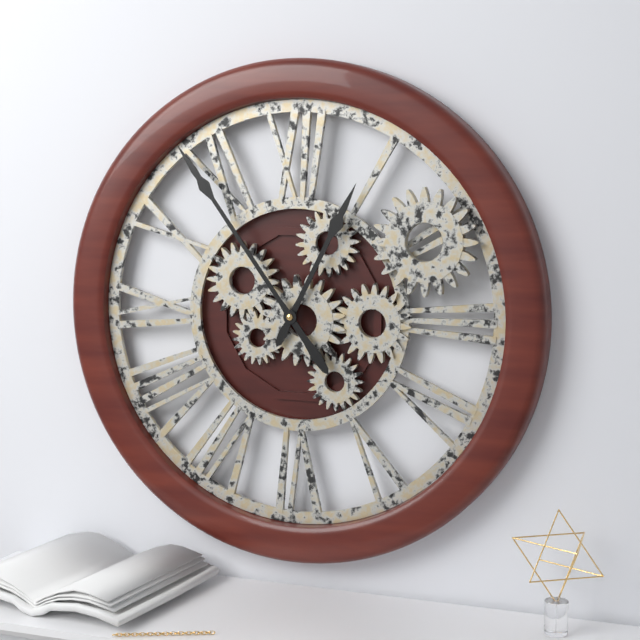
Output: 12.54
